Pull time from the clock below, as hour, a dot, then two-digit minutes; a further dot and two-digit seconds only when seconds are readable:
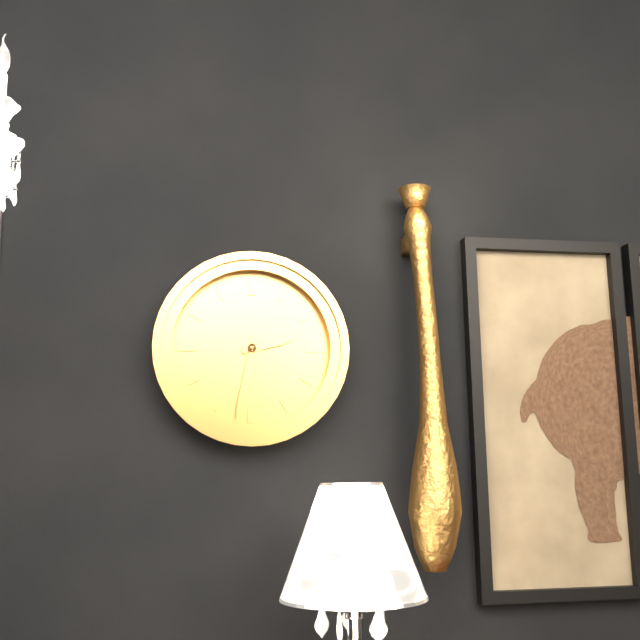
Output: 2.32
